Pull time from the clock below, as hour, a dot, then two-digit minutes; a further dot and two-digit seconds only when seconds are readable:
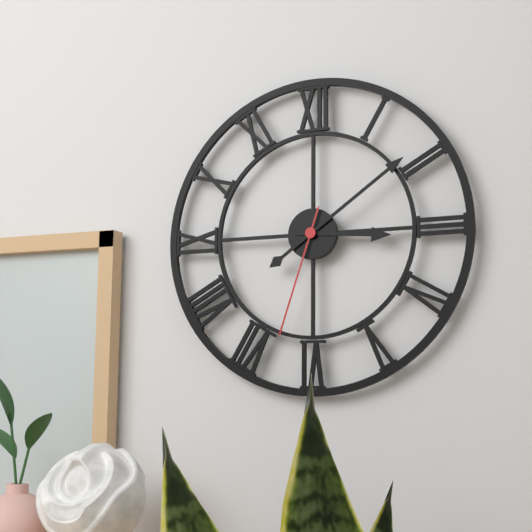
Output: 3.09.33
